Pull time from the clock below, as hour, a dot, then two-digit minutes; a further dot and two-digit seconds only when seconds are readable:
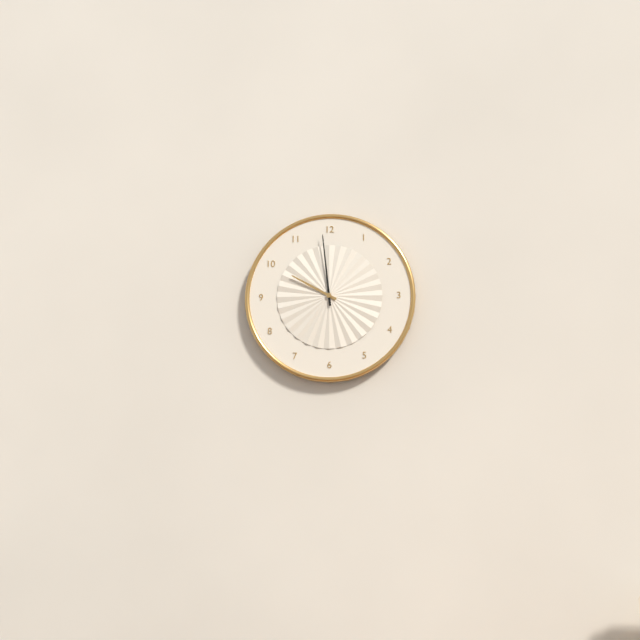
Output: 9.59
